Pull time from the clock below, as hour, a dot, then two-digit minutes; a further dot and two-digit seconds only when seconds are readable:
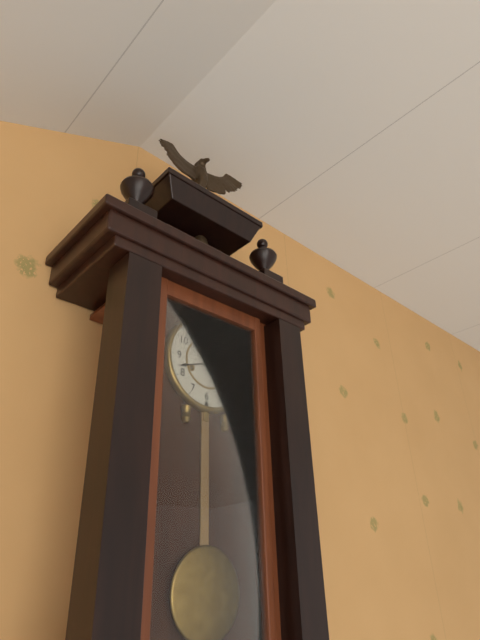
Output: 10.42
